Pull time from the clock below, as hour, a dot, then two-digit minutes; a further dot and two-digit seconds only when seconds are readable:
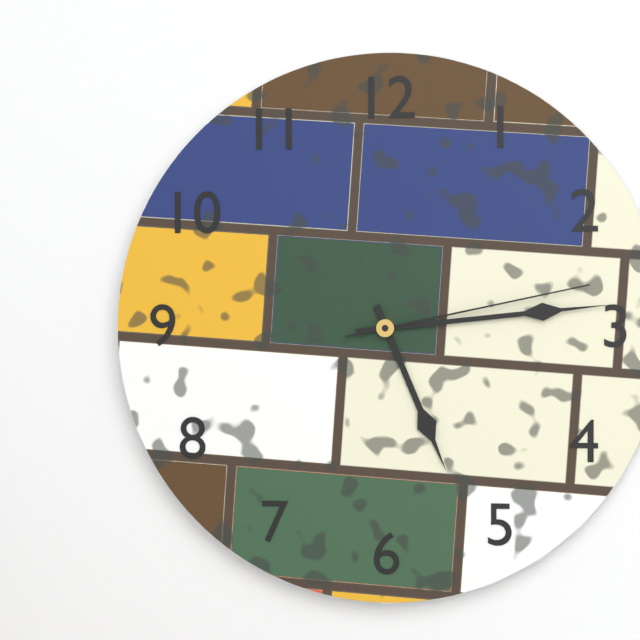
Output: 5.14.13
